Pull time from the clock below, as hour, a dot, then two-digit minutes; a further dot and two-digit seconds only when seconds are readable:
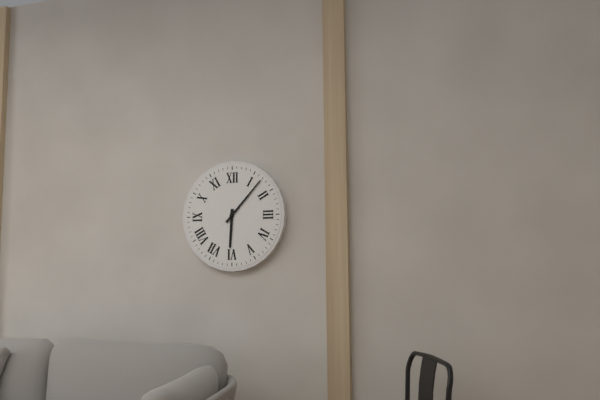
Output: 6.07
